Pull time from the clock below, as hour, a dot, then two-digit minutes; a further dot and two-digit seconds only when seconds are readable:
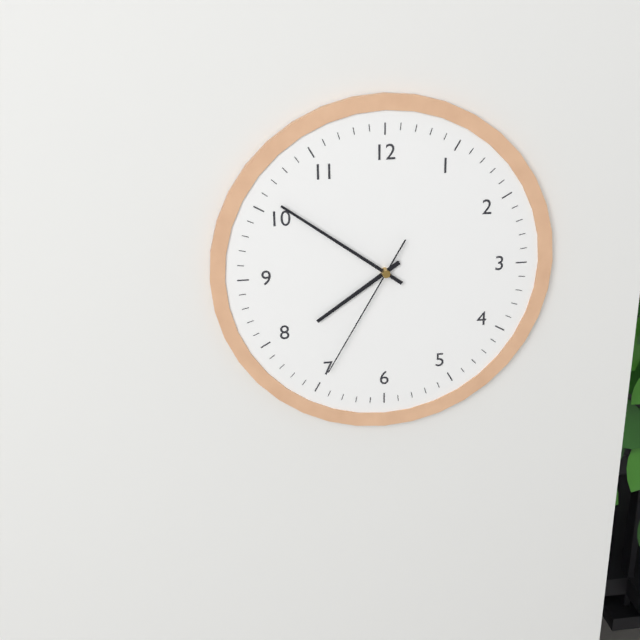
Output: 7.51.35
